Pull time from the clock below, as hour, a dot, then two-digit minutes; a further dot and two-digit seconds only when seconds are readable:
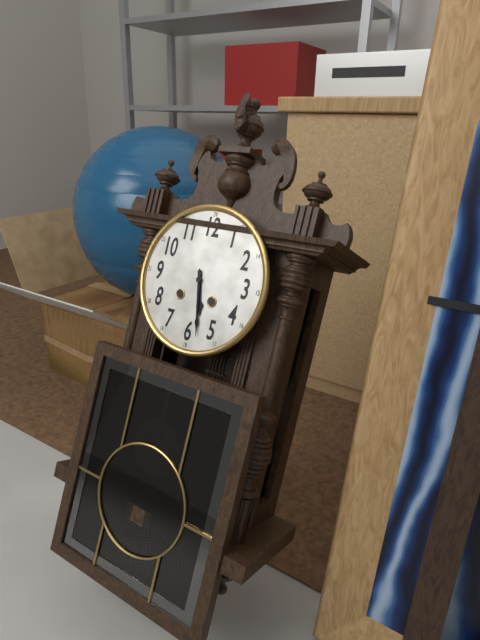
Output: 5.28
